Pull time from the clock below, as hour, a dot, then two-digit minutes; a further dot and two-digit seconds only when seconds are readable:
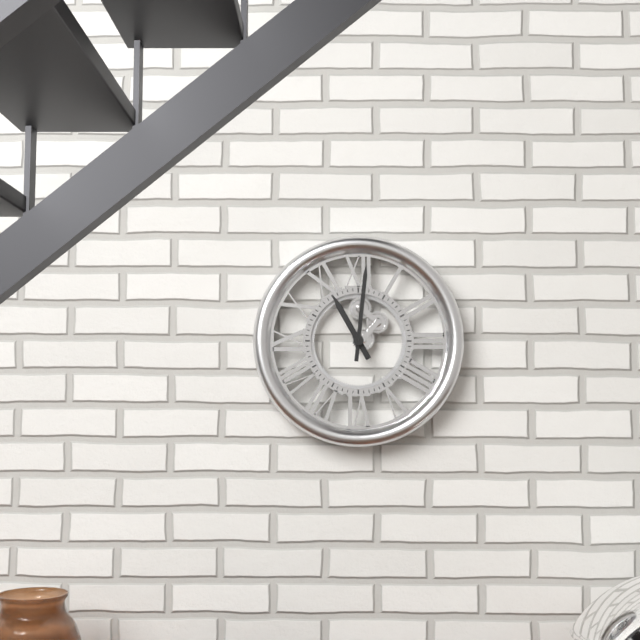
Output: 11.01
